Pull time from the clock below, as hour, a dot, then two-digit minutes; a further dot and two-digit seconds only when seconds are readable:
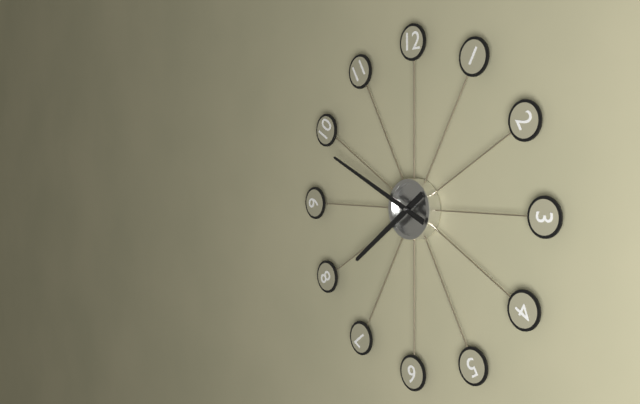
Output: 7.49
